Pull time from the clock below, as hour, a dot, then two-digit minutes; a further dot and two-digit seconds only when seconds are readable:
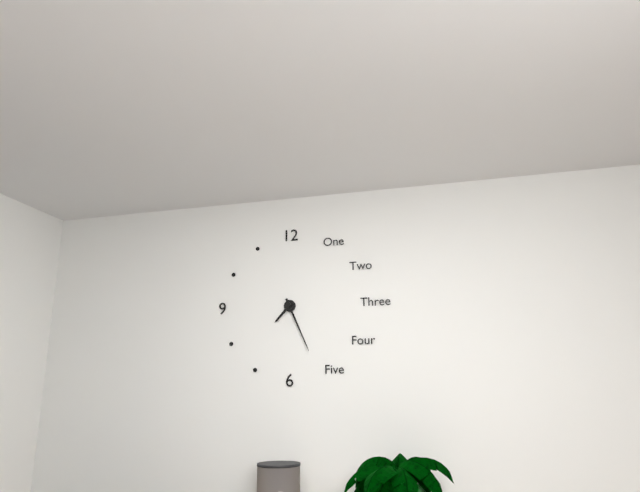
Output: 7.26
